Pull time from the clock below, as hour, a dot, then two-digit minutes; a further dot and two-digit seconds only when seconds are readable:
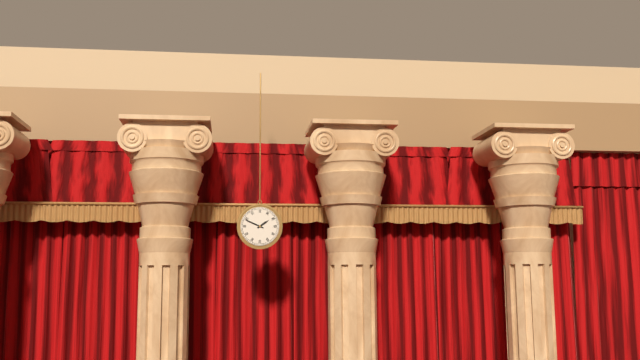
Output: 1.49
